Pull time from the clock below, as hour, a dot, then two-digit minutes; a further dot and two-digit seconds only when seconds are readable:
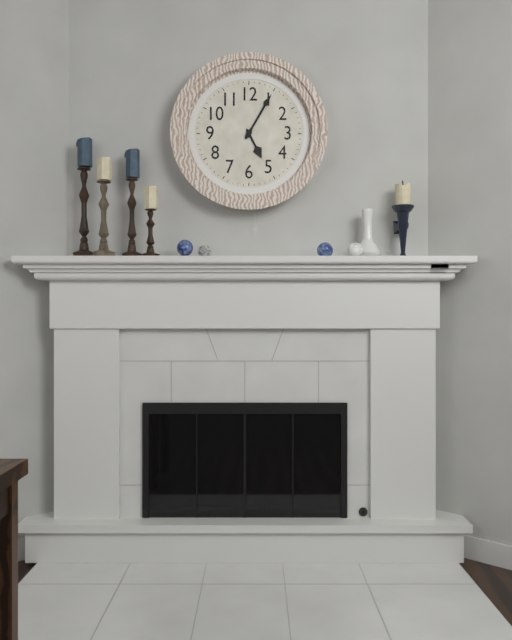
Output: 5.05
